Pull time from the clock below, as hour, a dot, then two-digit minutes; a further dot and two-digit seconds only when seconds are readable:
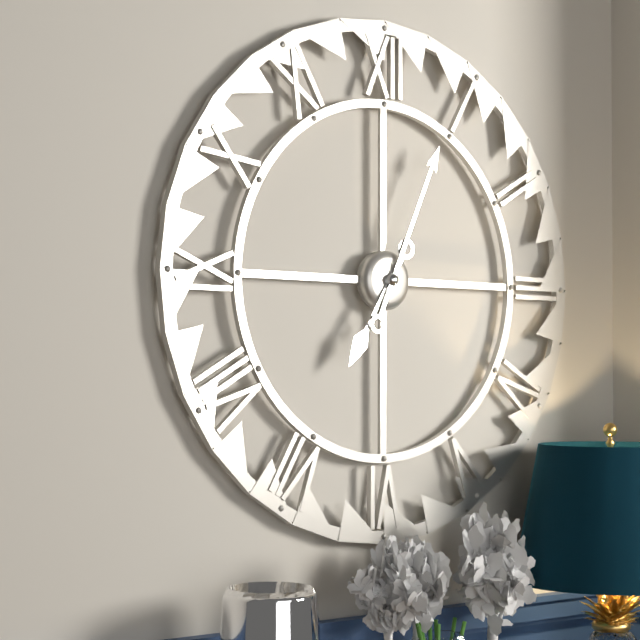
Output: 7.04
